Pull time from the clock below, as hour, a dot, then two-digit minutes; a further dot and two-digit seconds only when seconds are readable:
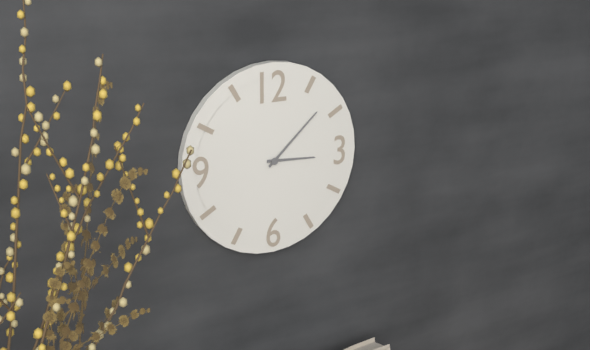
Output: 3.08
